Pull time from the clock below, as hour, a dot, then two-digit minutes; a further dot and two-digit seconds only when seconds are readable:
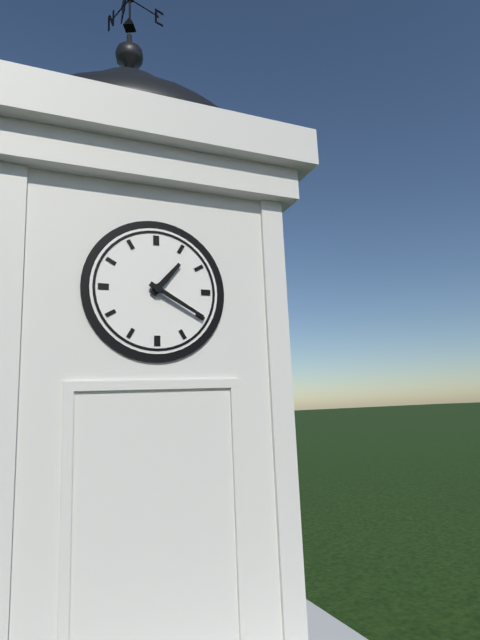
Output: 1.20
